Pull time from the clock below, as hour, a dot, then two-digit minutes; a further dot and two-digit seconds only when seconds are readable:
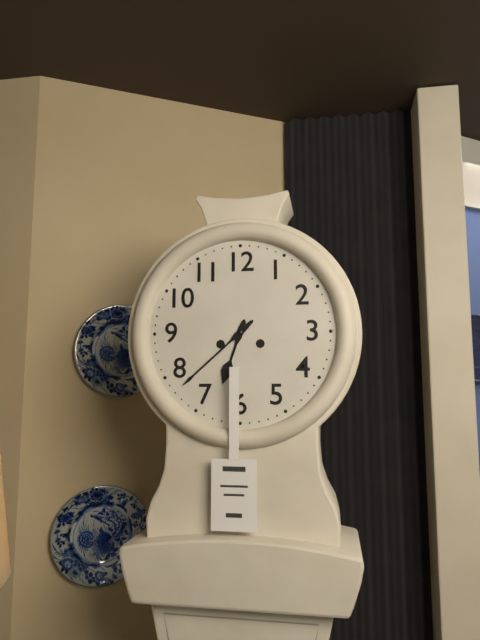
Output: 6.38
